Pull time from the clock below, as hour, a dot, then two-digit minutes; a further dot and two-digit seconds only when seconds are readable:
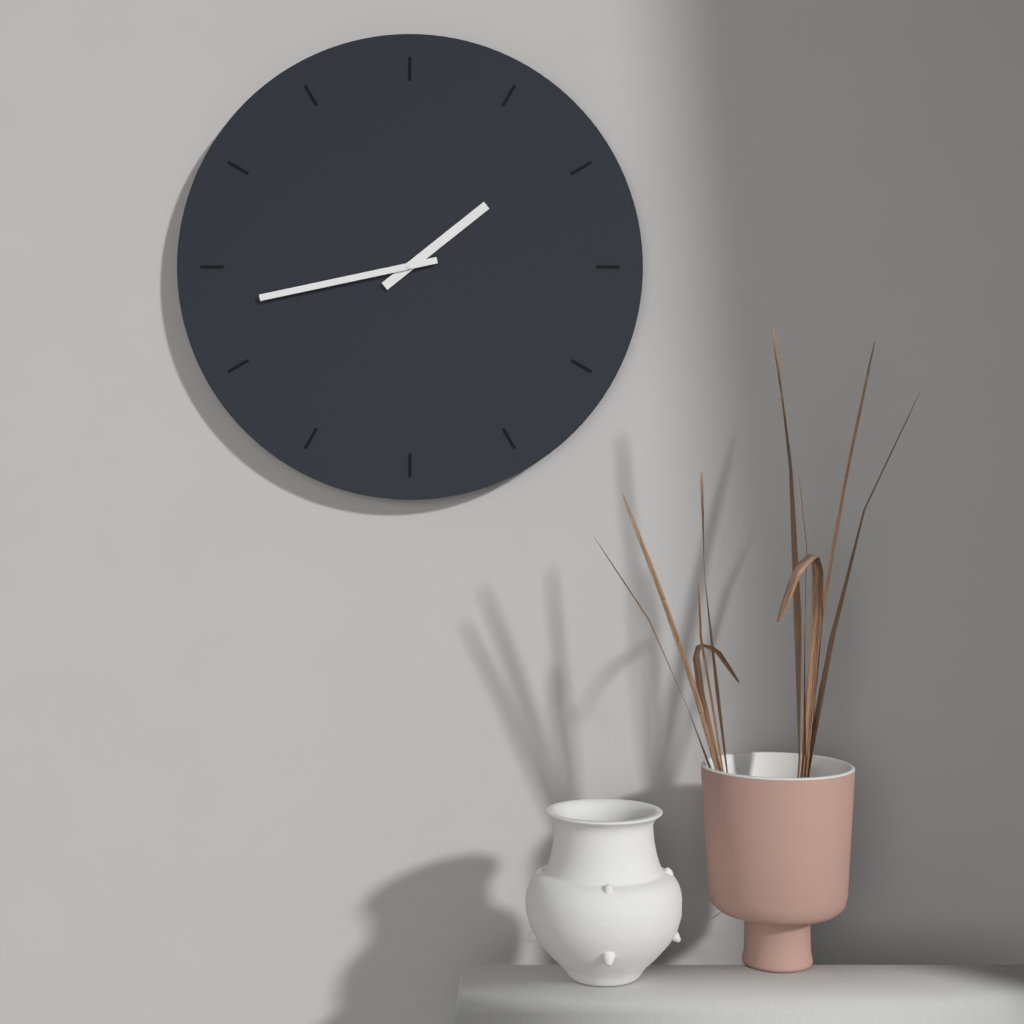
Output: 1.43
